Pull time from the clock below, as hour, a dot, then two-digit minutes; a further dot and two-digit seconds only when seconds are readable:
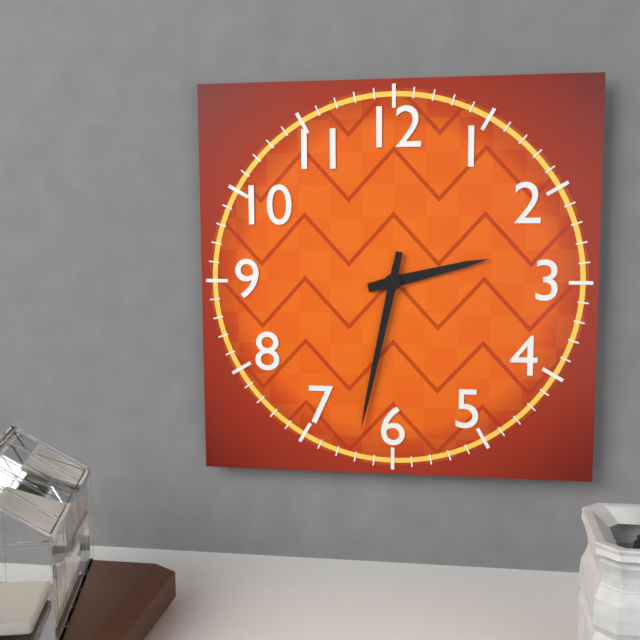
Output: 2.32
